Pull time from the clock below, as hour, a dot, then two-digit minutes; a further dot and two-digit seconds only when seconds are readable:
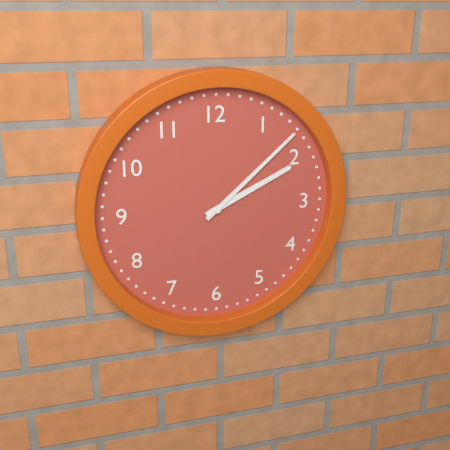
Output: 2.08
